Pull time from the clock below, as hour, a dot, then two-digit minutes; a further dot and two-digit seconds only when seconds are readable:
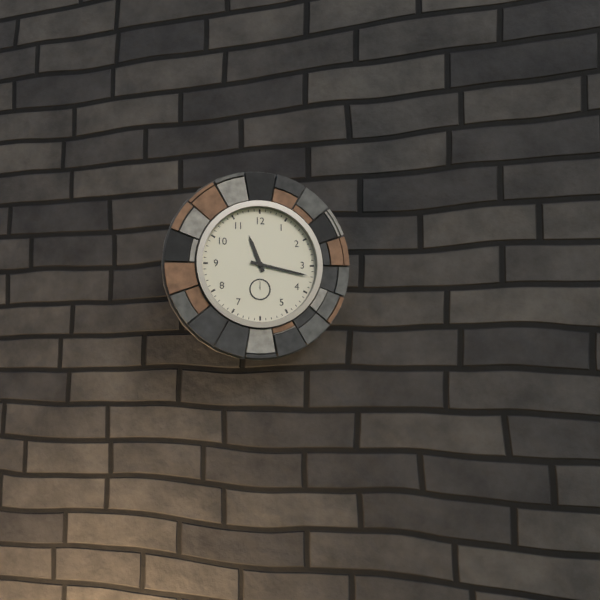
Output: 11.17
